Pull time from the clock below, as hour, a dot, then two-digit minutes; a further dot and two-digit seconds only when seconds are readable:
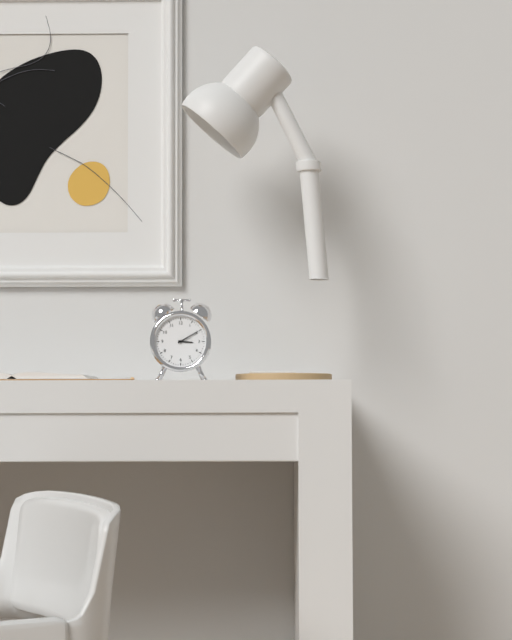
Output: 3.10
